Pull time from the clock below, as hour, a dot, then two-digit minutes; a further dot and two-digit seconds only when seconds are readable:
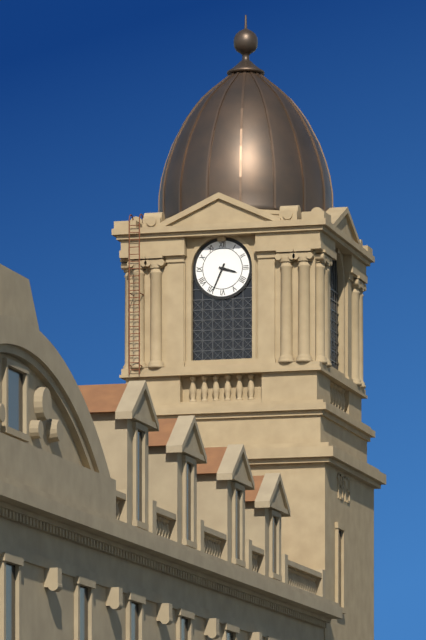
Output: 3.34
